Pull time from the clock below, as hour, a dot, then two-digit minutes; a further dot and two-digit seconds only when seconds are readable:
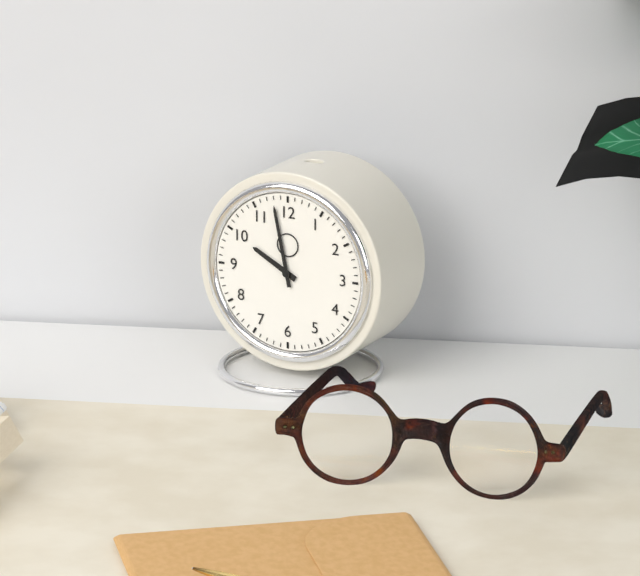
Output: 9.58
